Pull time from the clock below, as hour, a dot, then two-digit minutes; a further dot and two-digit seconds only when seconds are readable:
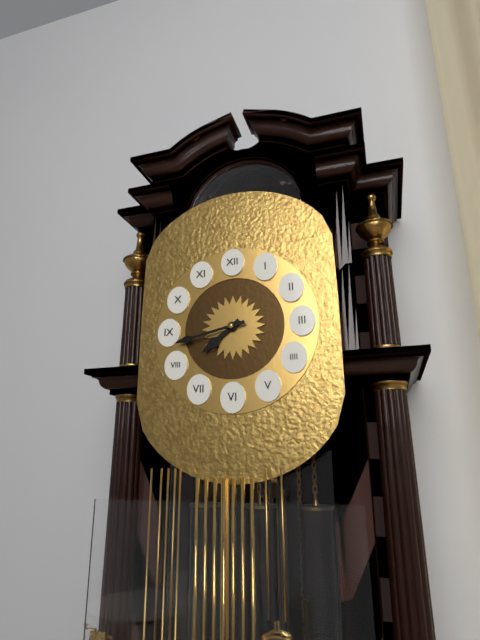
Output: 7.43
